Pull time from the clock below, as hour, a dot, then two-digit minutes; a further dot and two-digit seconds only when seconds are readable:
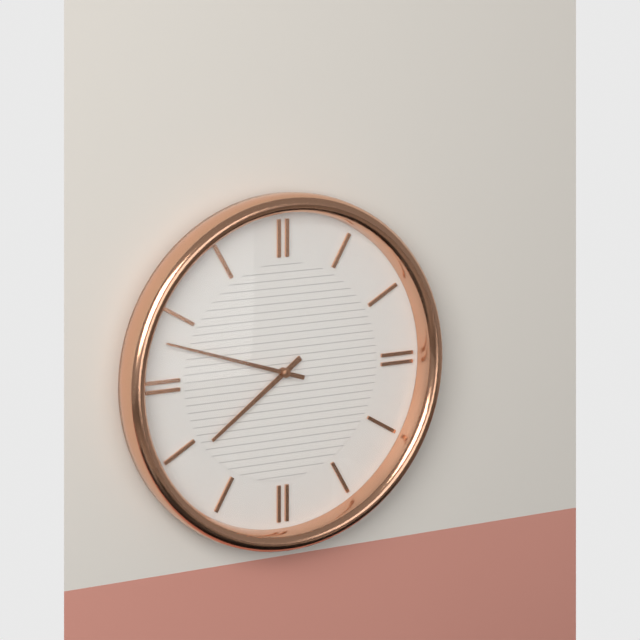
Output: 7.48
